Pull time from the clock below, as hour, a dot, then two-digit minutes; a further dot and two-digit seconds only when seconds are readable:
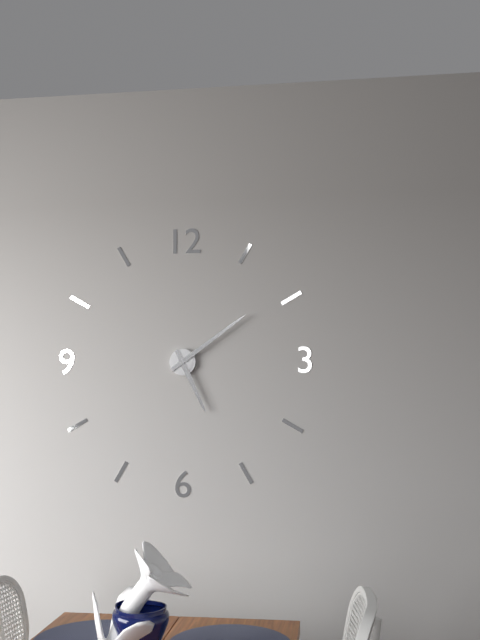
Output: 5.09
